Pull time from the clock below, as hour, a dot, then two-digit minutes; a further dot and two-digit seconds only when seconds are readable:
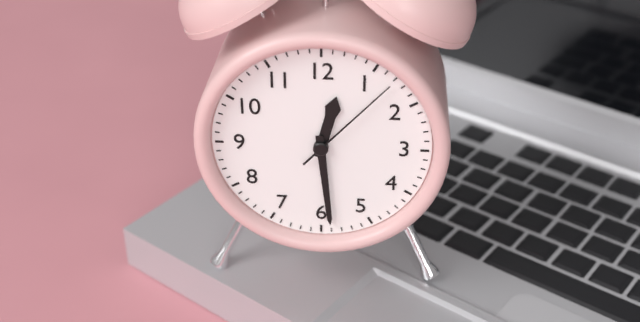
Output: 12.29.07
